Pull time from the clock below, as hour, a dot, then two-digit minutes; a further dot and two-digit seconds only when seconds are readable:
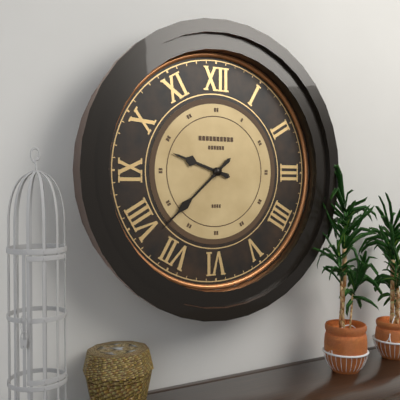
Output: 9.38
